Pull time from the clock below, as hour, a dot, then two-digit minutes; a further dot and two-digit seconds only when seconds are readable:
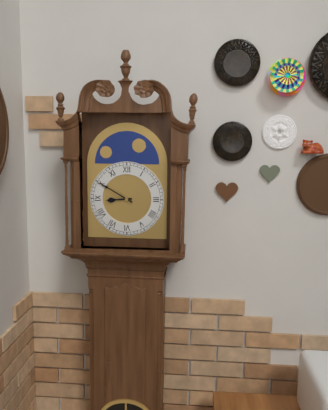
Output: 8.50
